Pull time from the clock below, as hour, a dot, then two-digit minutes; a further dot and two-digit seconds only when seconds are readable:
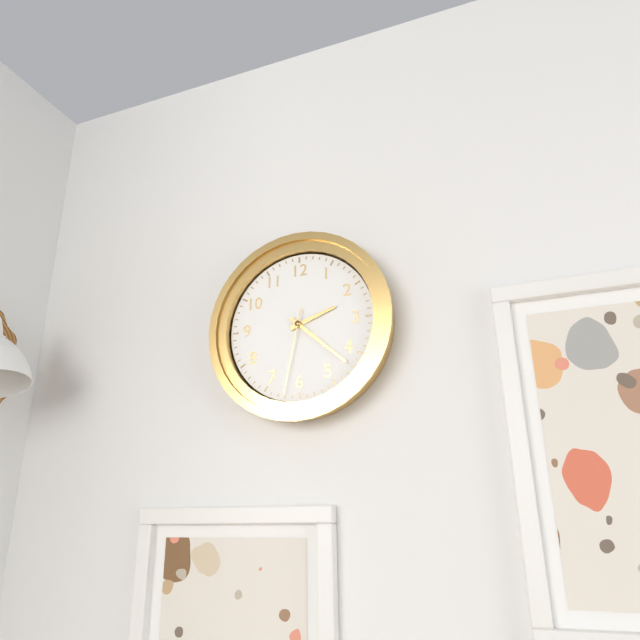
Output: 2.22.32
